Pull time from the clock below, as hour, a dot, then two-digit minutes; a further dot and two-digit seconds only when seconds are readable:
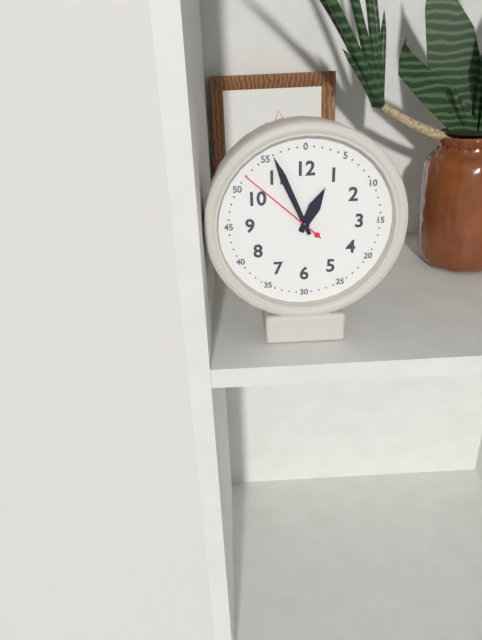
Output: 12.56.52
